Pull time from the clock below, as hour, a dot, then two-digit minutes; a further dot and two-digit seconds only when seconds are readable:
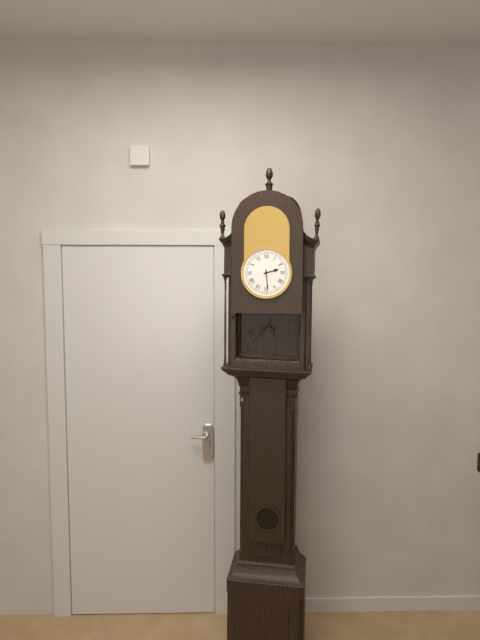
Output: 2.29
